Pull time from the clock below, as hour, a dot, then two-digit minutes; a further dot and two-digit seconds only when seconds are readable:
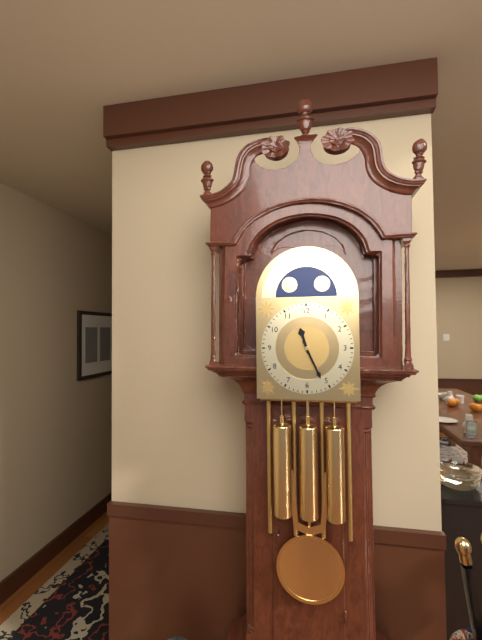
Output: 11.26
